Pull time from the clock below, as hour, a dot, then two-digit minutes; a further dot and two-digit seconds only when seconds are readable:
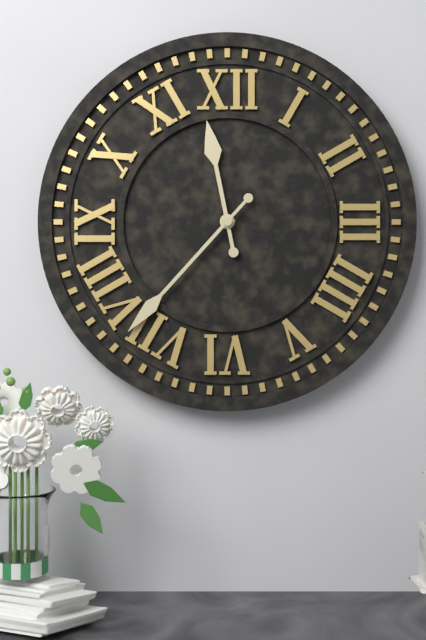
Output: 11.37
